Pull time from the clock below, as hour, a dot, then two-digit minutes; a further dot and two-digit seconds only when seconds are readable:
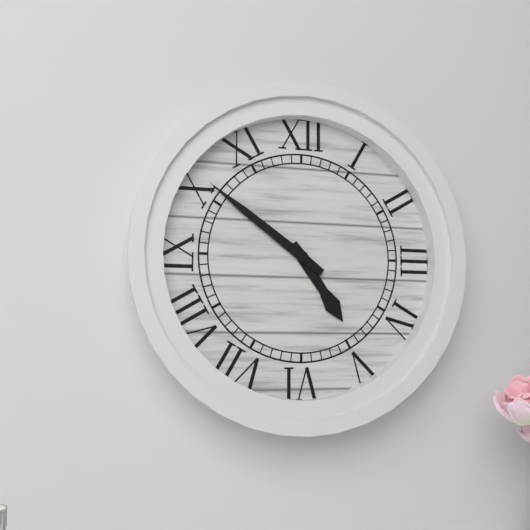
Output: 4.51
